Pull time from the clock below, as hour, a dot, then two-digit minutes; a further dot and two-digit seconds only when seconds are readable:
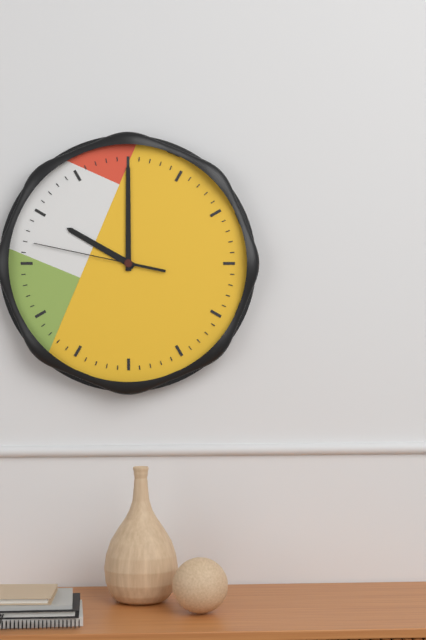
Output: 10.00.47
